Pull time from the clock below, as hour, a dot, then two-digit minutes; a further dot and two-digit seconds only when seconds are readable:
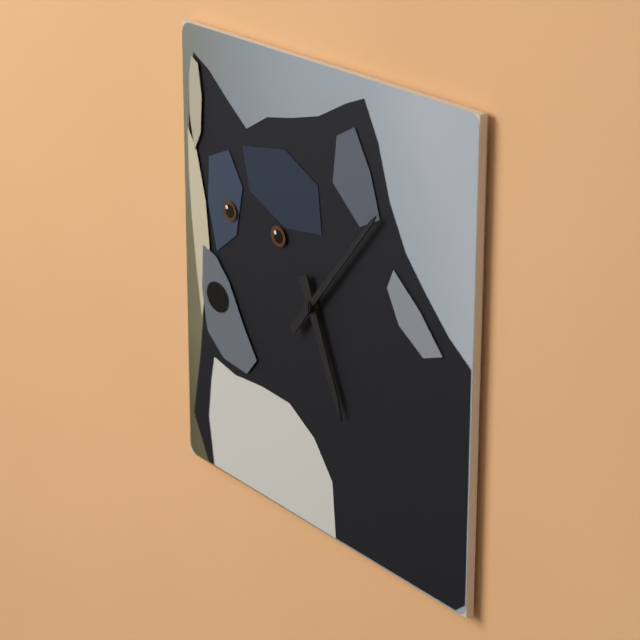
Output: 5.07
